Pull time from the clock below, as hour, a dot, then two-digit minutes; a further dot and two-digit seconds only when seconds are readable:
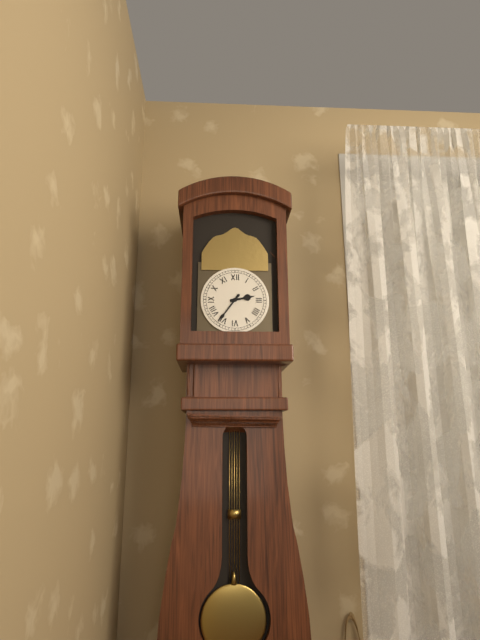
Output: 2.36
